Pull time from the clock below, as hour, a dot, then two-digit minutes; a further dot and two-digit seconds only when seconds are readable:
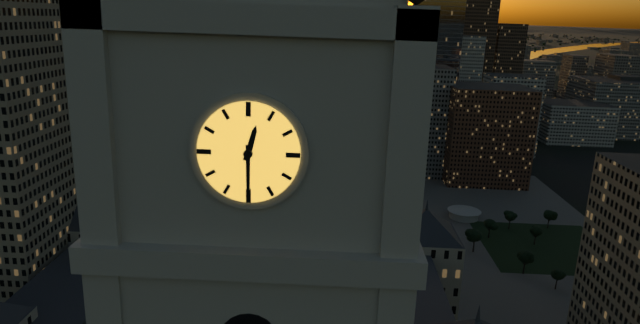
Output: 12.30
